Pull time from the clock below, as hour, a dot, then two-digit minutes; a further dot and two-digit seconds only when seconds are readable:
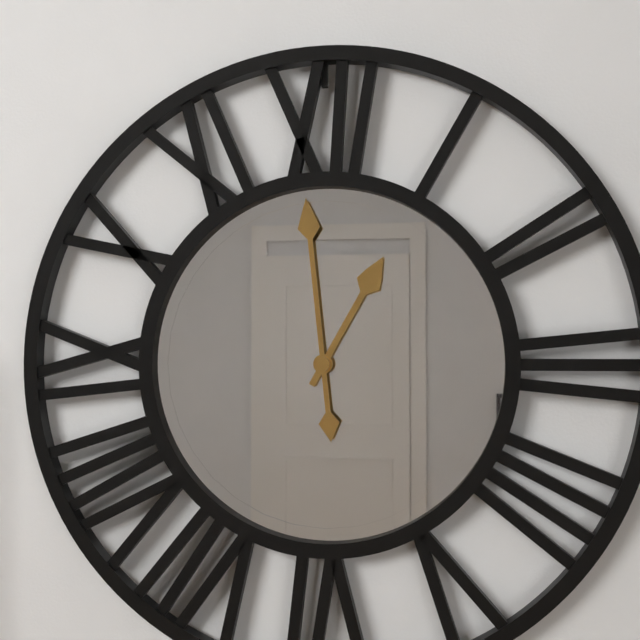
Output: 12.59
